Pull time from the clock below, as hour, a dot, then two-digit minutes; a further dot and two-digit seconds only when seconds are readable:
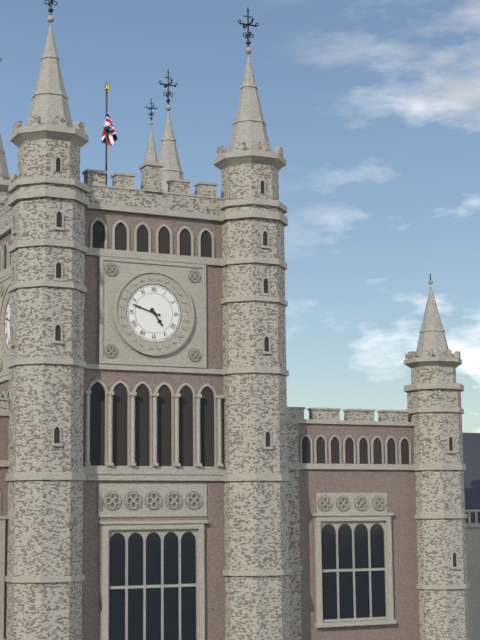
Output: 4.48
